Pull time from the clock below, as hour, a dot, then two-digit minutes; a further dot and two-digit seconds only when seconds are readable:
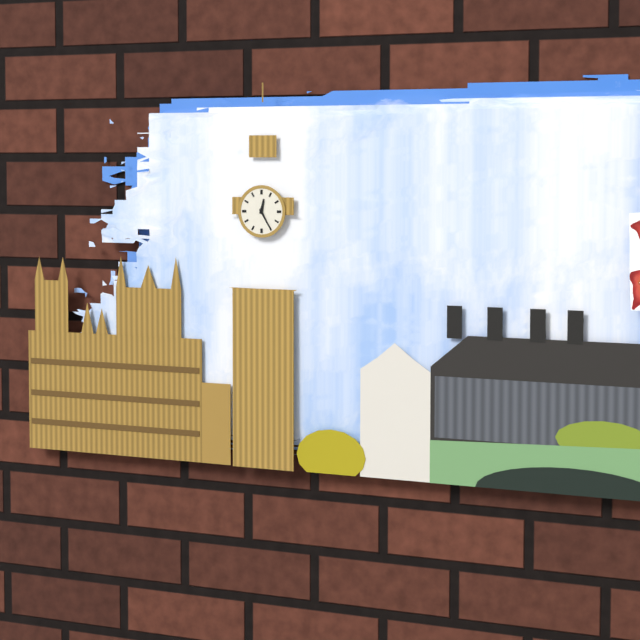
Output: 12.25
